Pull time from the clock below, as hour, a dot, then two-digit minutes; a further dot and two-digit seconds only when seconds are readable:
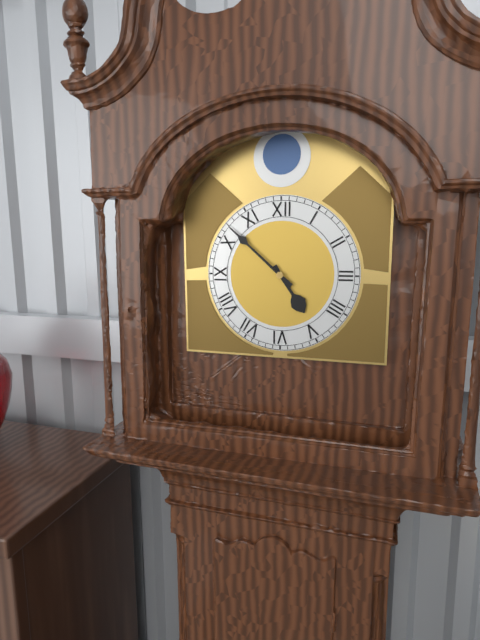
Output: 4.52
